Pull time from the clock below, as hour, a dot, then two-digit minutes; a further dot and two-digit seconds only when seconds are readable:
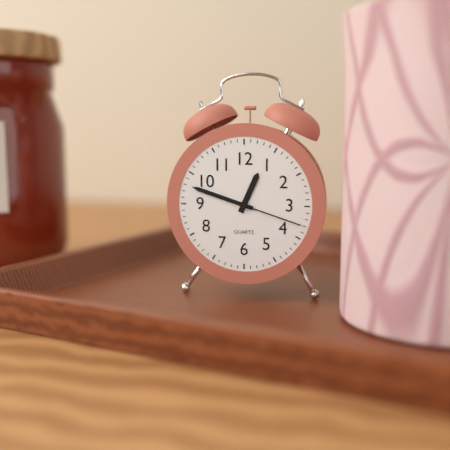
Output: 12.48.18
